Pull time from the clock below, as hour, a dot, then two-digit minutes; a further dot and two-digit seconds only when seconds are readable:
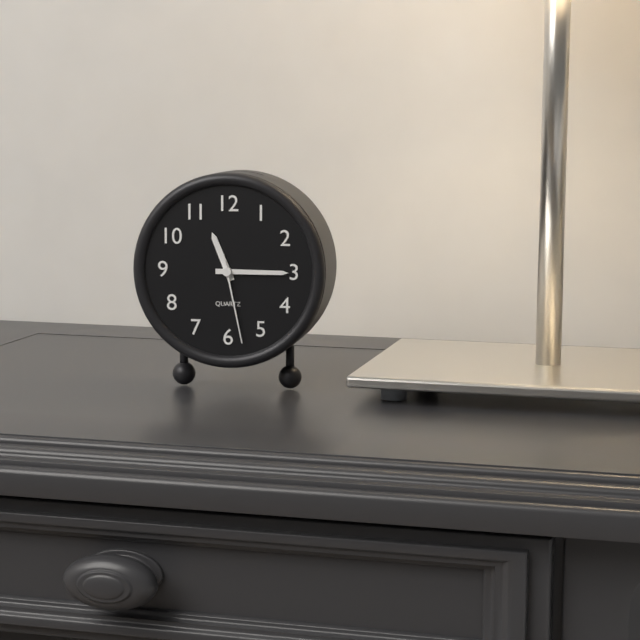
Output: 11.15.28
